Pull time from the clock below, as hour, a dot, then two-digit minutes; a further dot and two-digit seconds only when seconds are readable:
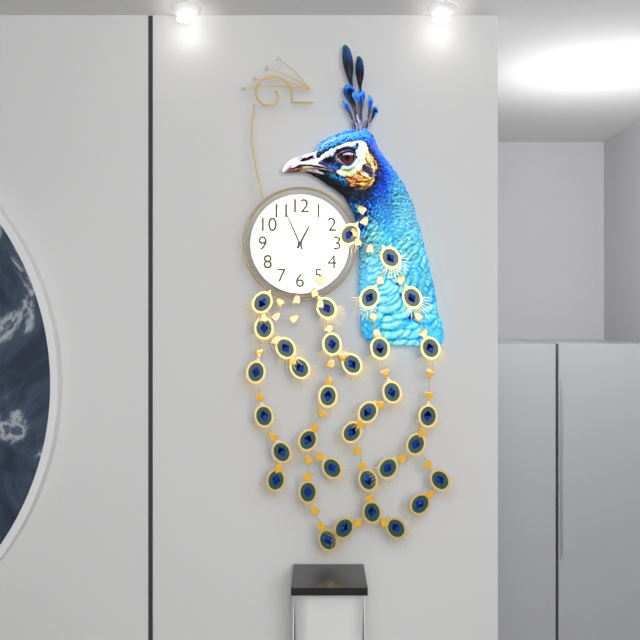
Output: 12.56
